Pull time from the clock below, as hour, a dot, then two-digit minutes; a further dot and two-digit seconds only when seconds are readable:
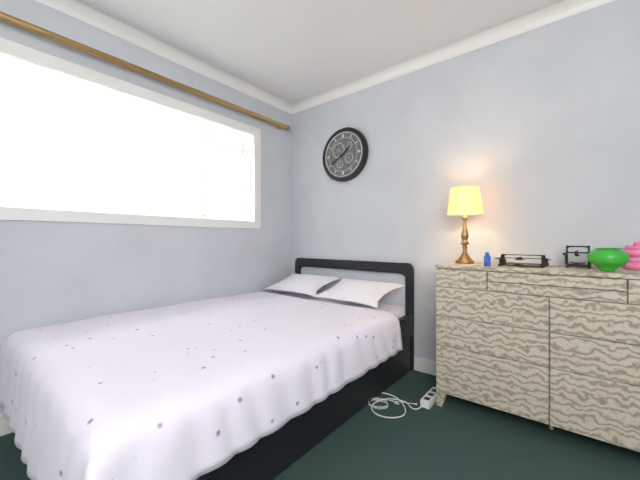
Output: 1.40
